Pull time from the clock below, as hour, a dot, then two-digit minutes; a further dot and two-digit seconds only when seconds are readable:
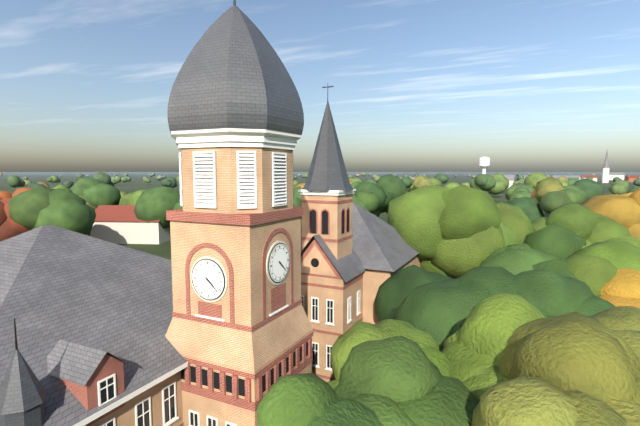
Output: 4.22
